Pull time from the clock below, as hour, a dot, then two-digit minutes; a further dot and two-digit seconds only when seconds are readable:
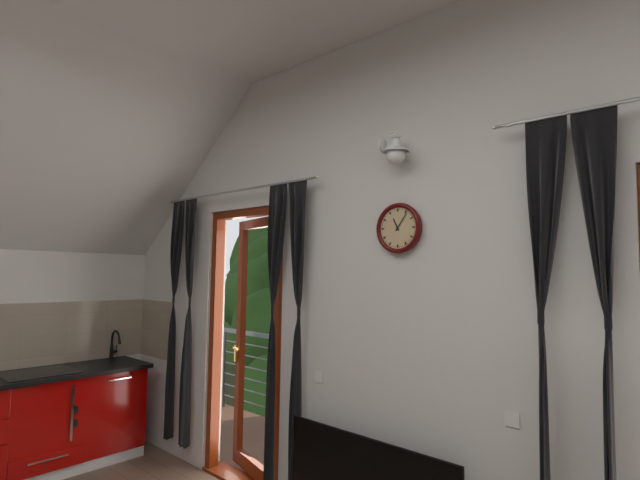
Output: 11.06
